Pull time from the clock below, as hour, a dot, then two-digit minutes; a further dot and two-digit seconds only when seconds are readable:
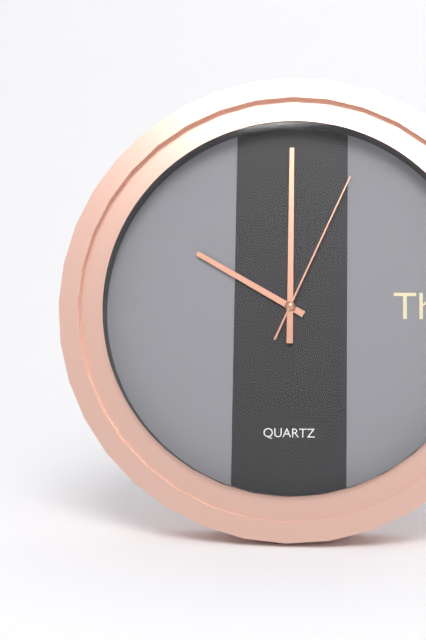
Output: 10.00.04
